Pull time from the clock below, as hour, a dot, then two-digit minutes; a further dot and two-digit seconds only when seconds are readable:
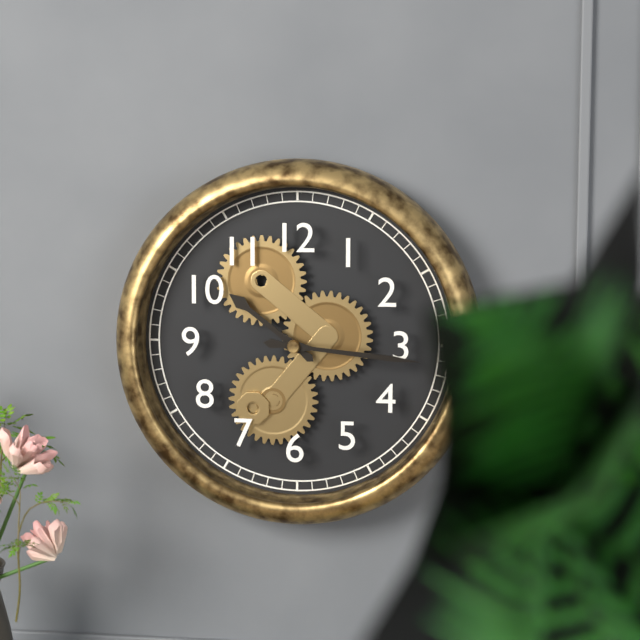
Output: 10.16
